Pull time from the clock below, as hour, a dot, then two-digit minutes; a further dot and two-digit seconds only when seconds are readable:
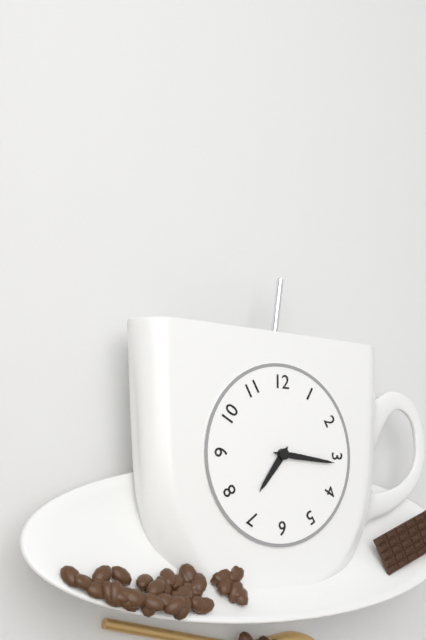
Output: 7.16
